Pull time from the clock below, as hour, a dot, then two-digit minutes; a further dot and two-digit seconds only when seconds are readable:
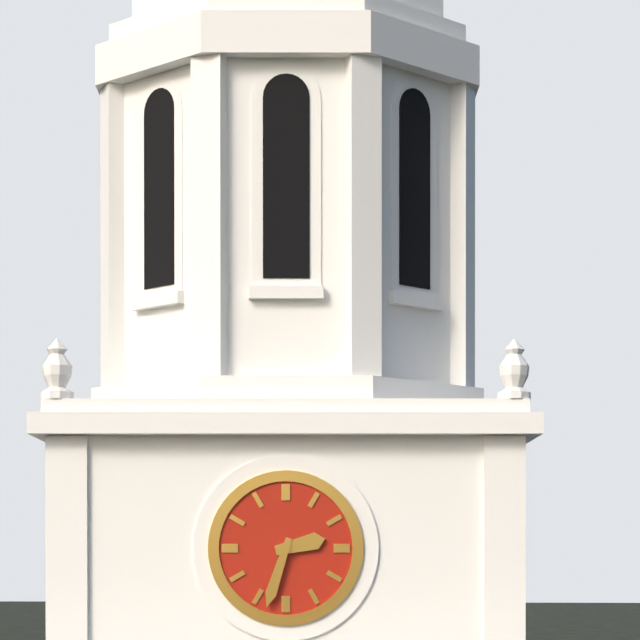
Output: 2.33
